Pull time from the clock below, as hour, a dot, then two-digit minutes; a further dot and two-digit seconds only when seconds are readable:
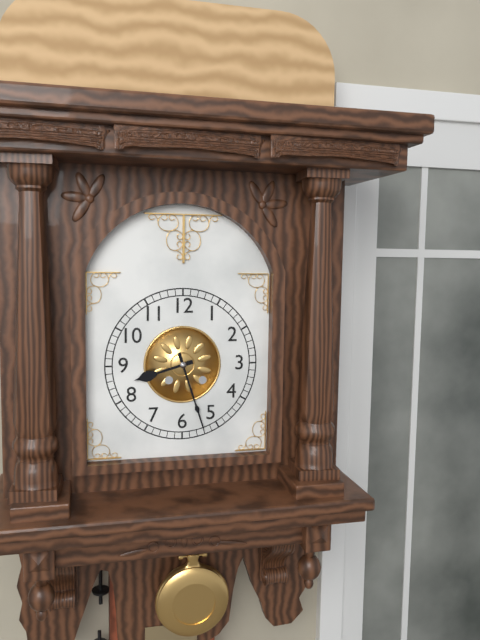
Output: 8.27
